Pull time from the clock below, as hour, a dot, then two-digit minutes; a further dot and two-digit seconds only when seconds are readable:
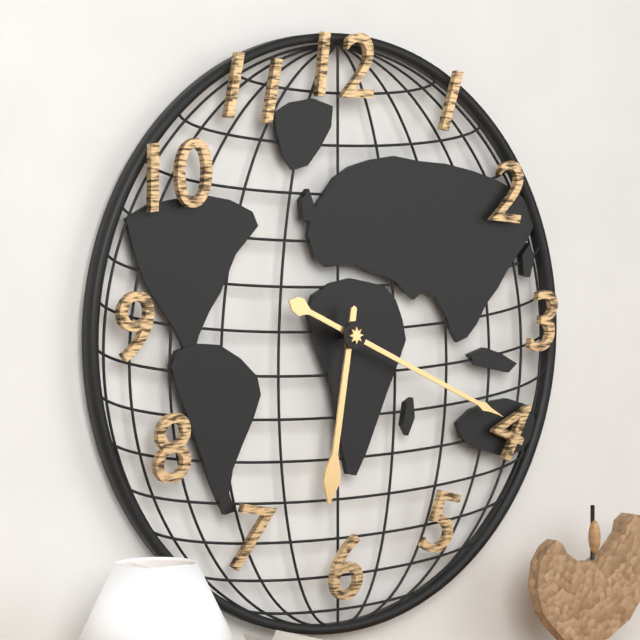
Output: 6.19
